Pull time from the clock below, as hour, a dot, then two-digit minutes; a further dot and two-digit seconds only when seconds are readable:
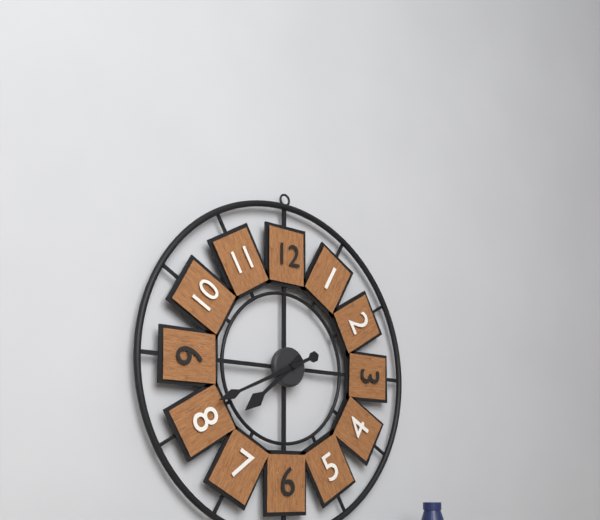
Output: 7.41
